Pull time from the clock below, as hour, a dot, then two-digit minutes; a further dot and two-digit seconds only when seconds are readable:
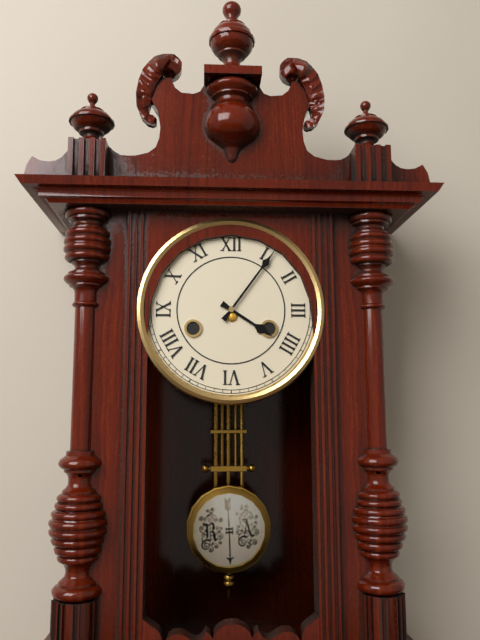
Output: 4.06
